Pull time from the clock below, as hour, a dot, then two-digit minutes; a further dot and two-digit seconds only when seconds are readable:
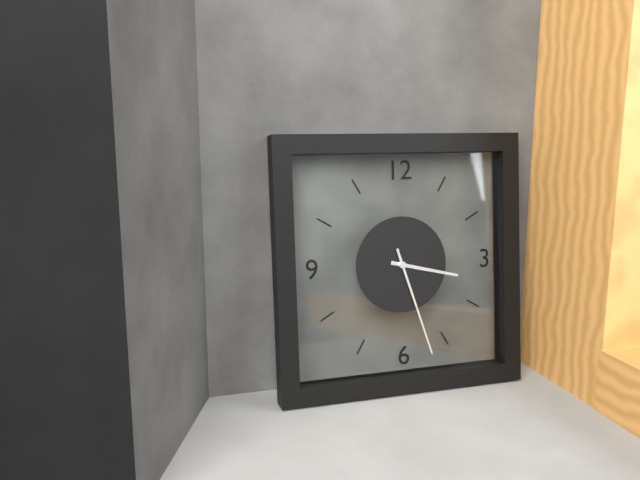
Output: 3.27
